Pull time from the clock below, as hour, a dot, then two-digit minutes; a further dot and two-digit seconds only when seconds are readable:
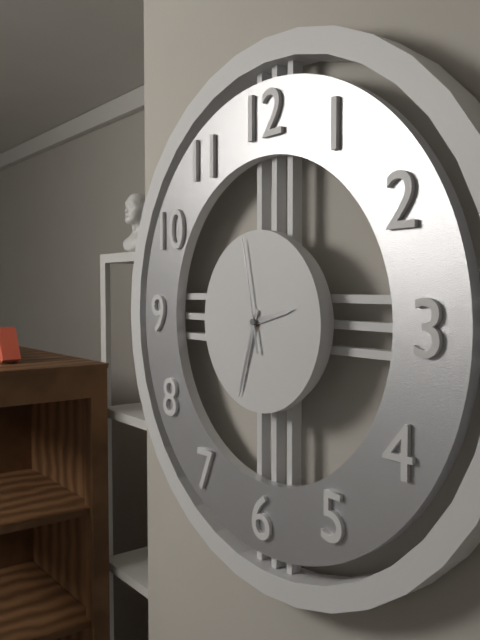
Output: 2.33.58
